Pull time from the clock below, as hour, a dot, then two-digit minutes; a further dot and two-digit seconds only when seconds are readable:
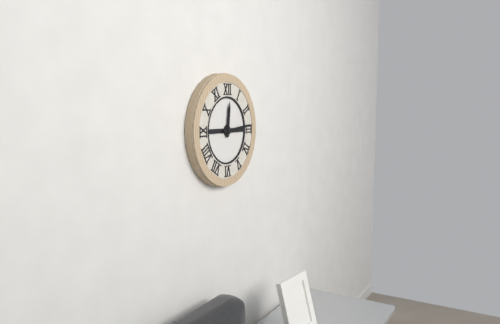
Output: 12.14
